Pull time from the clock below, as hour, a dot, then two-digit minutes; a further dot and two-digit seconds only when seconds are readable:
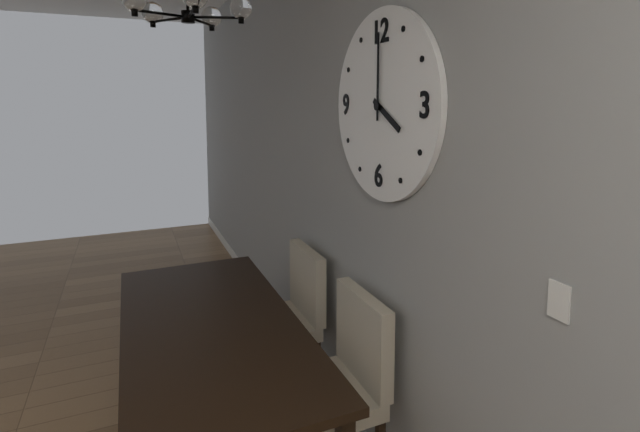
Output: 4.00
